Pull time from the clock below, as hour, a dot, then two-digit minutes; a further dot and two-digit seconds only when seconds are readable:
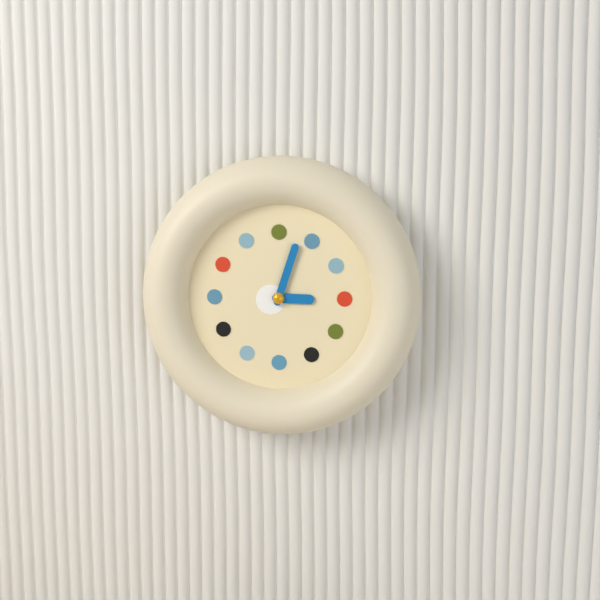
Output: 3.03
